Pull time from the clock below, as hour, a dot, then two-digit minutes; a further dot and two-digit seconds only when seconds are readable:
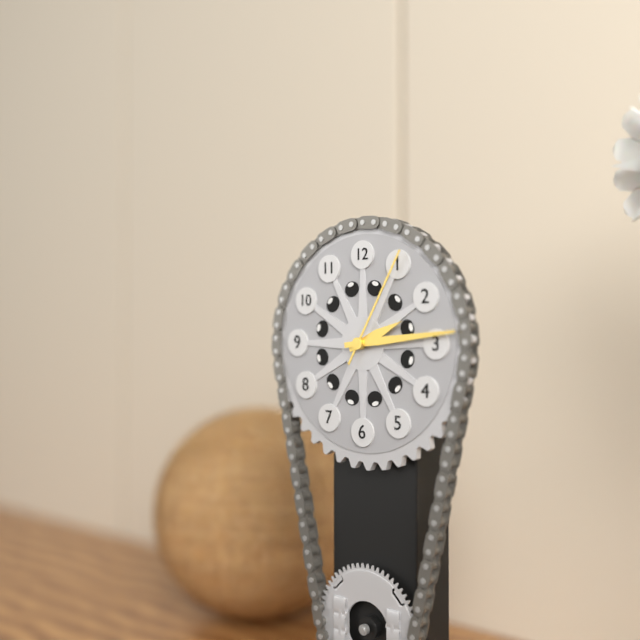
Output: 2.14.05
